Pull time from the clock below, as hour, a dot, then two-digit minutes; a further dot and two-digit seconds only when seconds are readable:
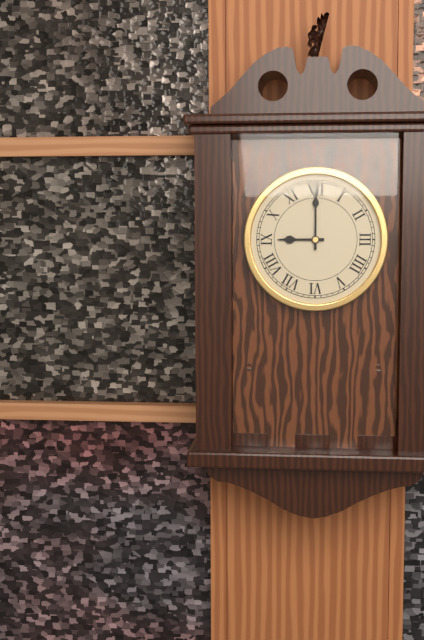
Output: 9.00
